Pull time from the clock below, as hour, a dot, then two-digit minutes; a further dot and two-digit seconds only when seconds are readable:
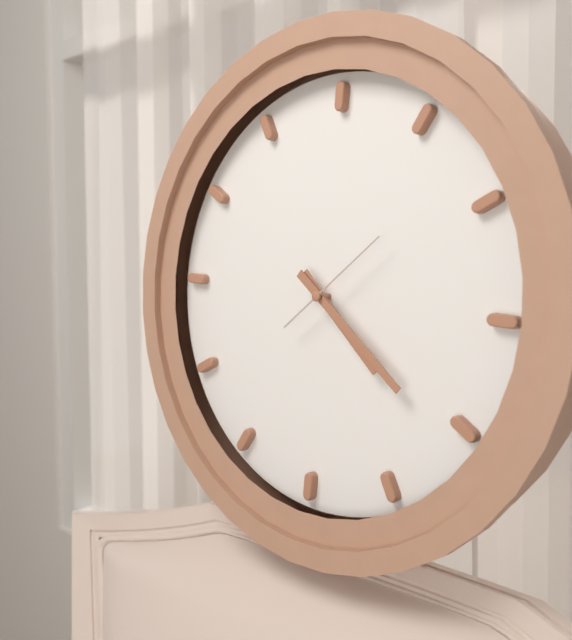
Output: 4.21.08
